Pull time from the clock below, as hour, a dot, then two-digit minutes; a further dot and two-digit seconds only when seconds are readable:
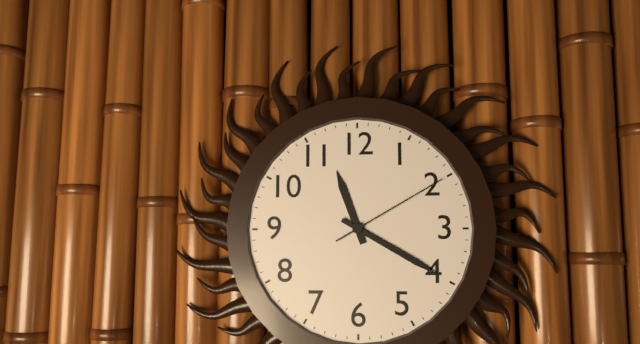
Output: 11.20.10
